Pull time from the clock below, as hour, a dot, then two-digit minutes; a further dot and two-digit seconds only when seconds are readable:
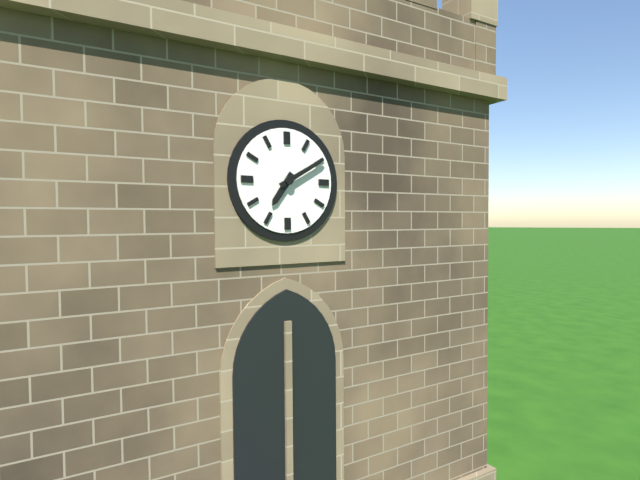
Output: 7.10
